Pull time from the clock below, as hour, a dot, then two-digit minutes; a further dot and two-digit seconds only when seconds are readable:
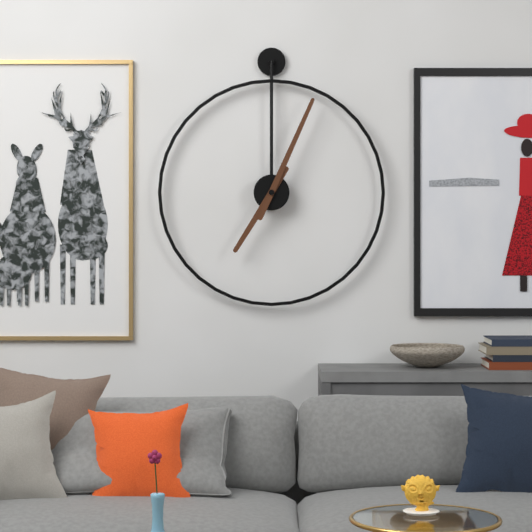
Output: 7.04
